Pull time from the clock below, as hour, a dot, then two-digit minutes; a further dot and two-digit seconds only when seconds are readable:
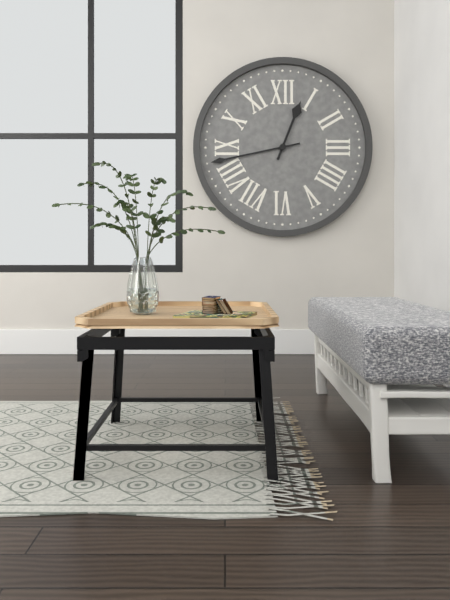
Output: 12.43
